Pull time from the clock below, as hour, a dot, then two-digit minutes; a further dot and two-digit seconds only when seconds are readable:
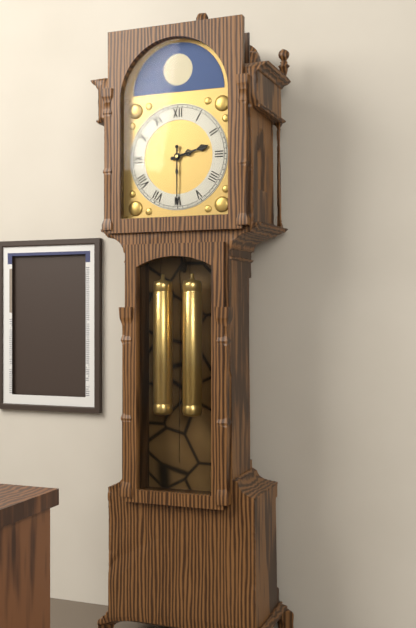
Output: 2.30
